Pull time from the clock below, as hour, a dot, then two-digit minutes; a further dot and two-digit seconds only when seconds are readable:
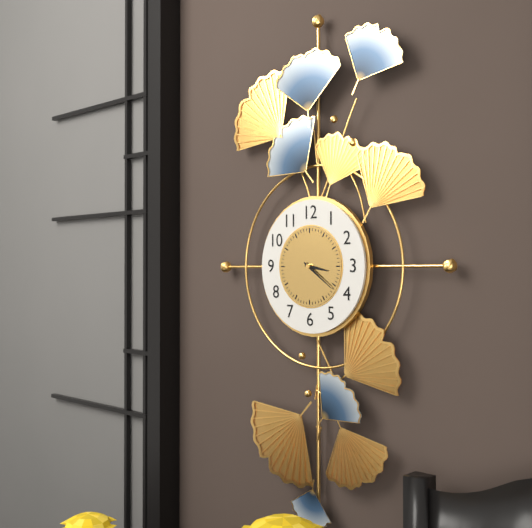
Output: 3.21
